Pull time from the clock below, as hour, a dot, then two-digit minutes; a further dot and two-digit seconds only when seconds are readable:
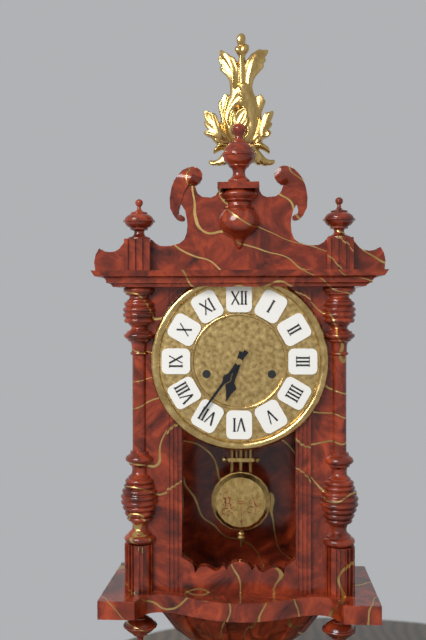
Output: 6.36
